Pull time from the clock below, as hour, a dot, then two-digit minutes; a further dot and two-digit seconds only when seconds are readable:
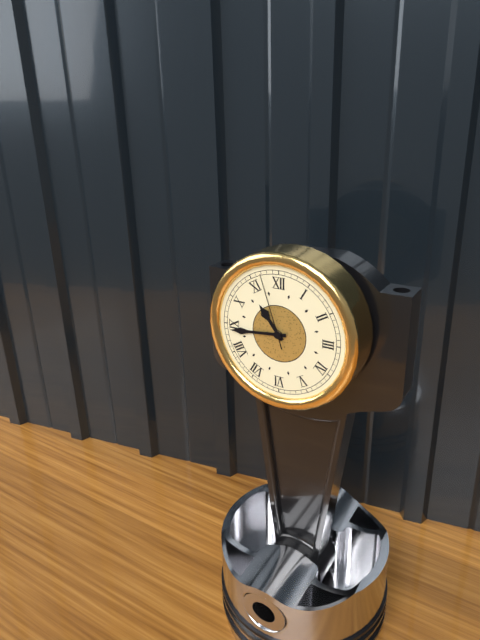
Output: 10.44.57
